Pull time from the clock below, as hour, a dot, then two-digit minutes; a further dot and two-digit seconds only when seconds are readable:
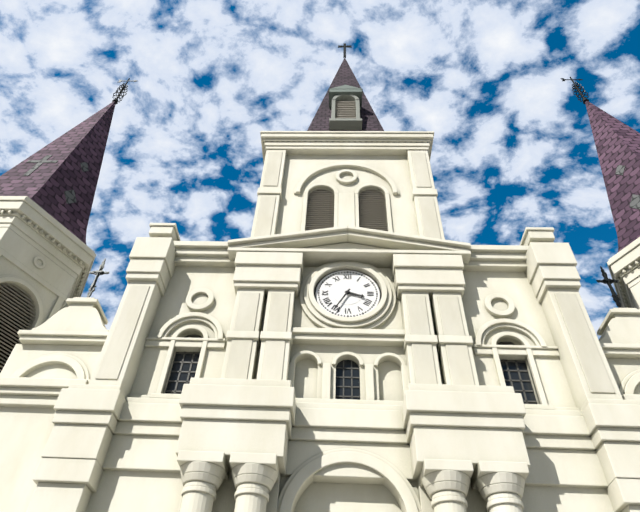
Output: 3.35
